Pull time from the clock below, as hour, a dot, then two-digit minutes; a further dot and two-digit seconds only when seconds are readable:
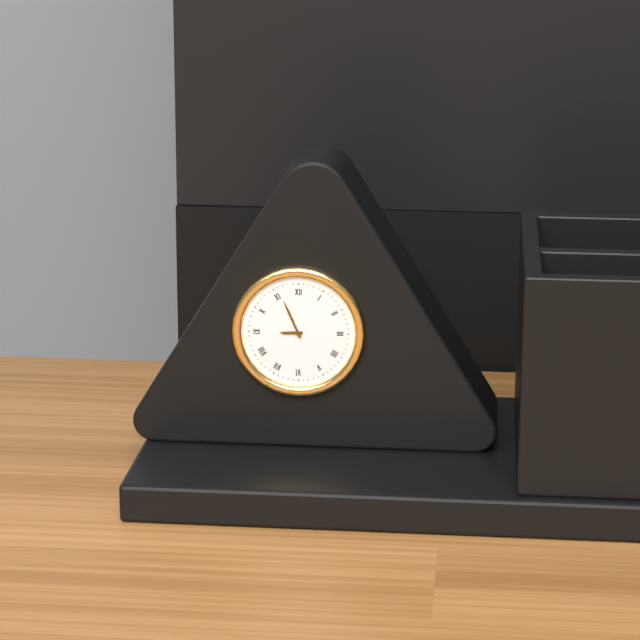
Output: 8.56
